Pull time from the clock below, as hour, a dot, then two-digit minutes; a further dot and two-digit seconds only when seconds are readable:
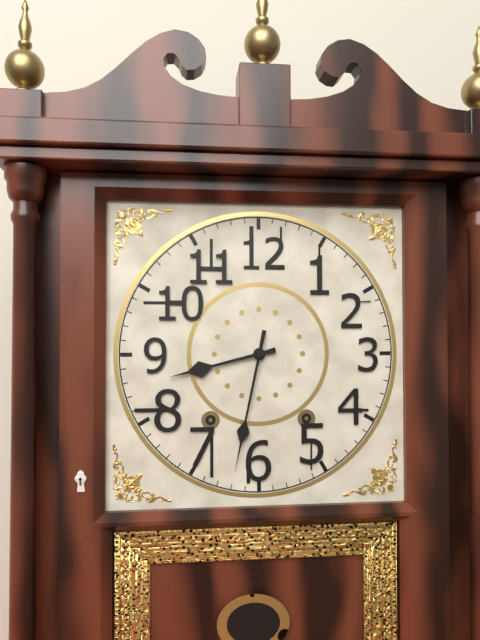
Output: 8.32
